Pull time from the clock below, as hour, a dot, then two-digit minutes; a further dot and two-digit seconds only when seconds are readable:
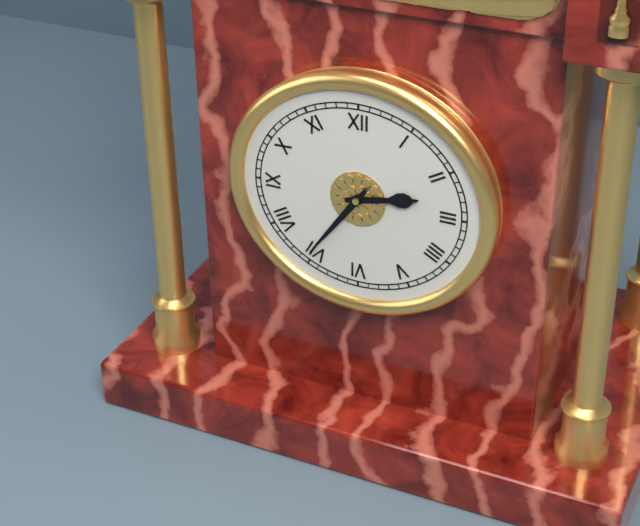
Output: 2.36
